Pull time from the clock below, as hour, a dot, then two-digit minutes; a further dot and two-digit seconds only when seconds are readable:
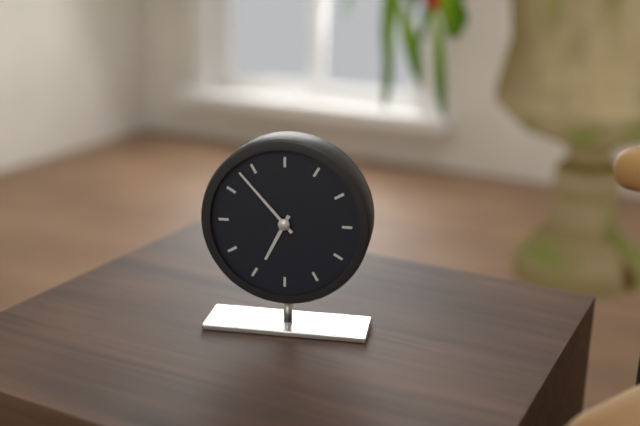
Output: 6.53
